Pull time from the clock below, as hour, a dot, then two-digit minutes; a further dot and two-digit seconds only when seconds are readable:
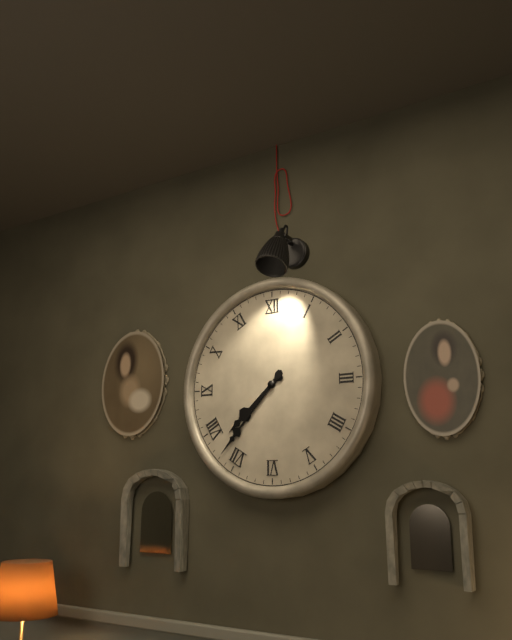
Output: 7.37
